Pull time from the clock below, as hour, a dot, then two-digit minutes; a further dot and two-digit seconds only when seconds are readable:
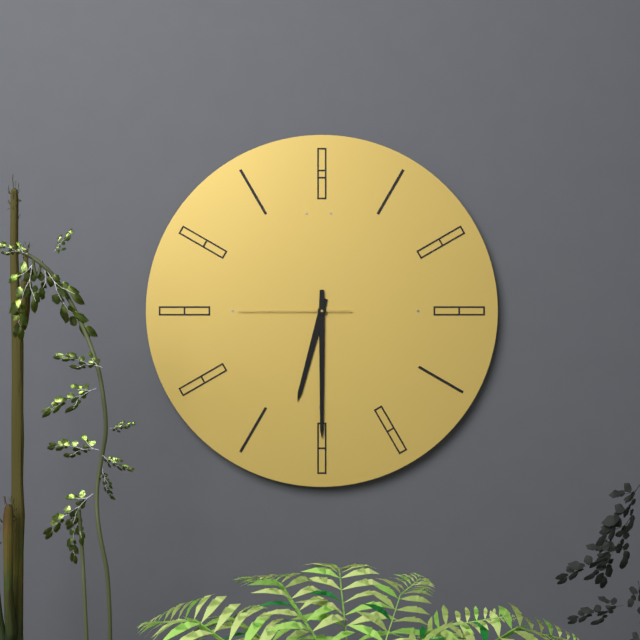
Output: 6.30.45
